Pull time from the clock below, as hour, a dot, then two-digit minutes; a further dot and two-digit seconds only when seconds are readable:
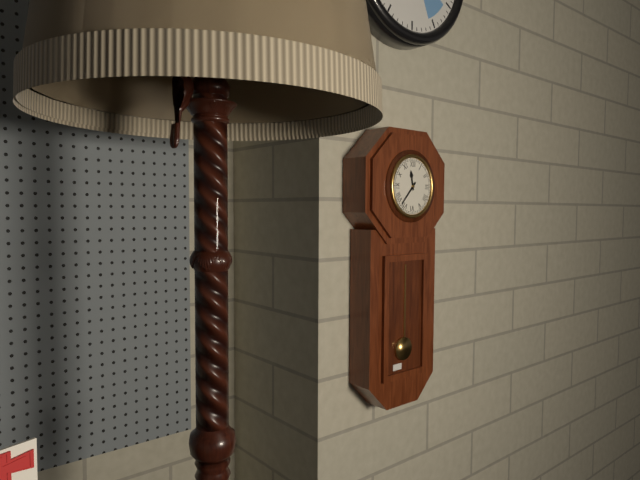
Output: 11.37
